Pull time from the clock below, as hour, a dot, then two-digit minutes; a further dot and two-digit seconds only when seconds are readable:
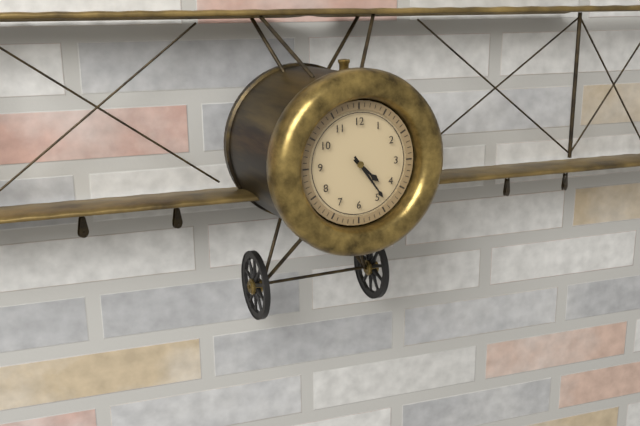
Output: 4.24
